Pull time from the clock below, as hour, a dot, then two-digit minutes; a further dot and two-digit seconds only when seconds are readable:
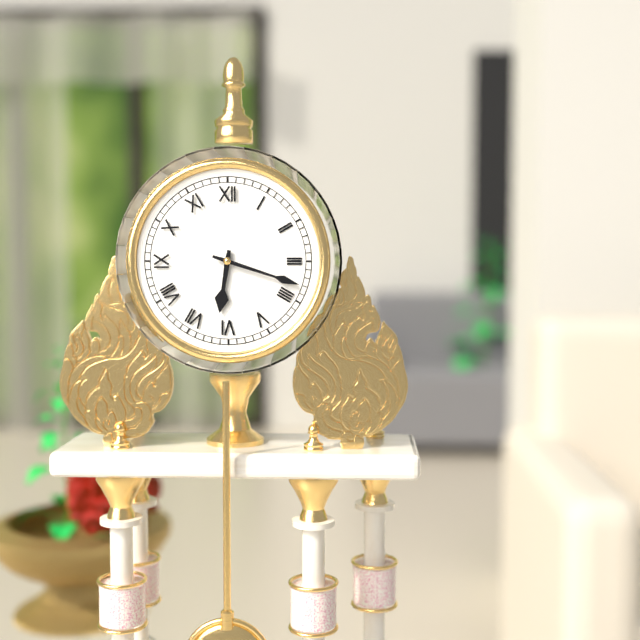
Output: 6.18
